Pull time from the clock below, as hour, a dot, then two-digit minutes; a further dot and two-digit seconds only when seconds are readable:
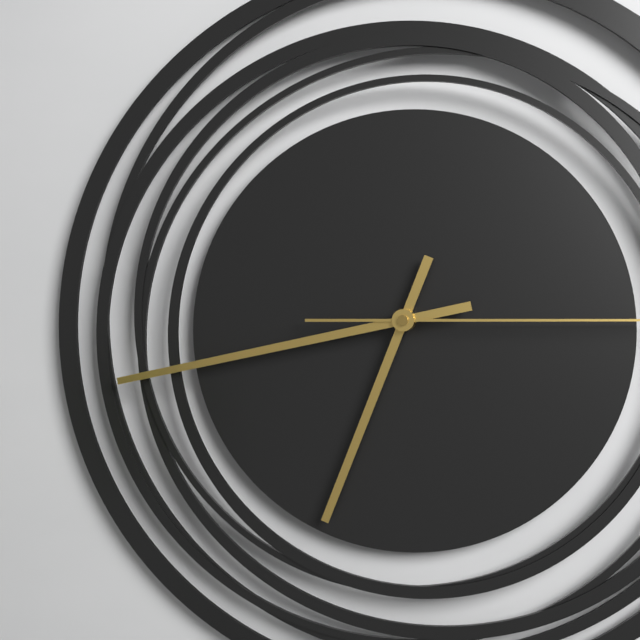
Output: 6.43
